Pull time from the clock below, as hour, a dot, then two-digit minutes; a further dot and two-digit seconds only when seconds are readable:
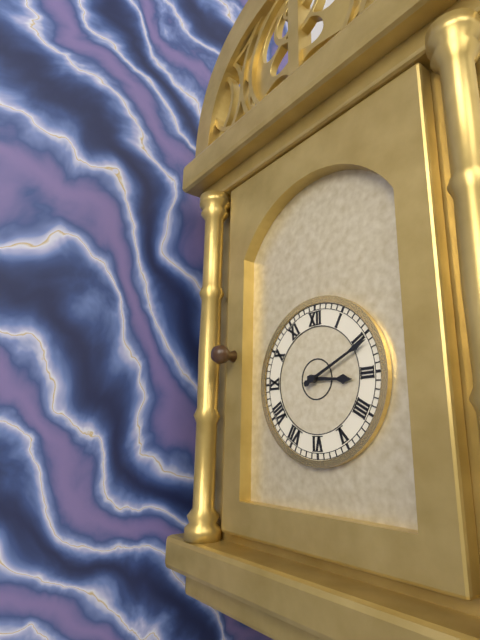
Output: 3.11
